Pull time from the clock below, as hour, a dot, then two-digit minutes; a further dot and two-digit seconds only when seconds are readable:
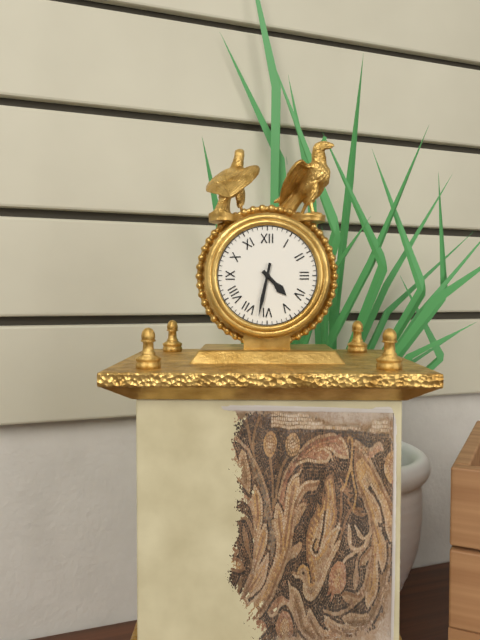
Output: 4.32
